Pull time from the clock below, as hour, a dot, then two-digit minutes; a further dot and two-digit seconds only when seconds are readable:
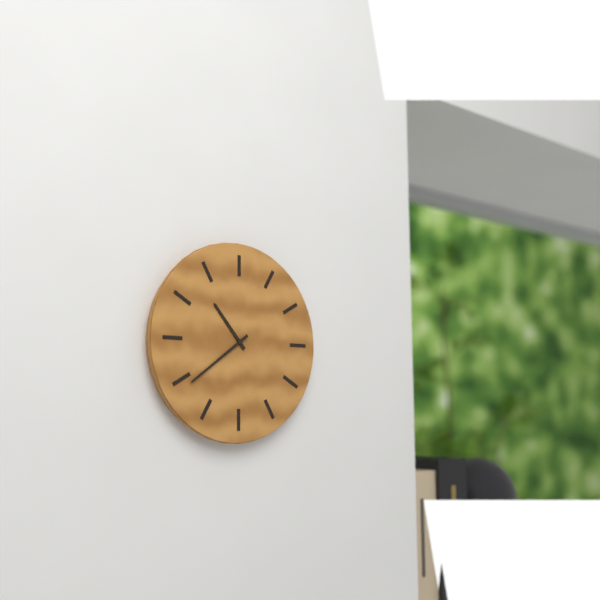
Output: 10.39
